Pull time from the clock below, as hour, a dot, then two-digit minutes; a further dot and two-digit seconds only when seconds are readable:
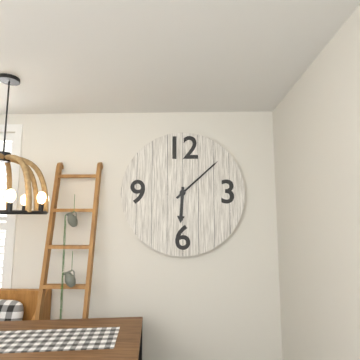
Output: 6.08
